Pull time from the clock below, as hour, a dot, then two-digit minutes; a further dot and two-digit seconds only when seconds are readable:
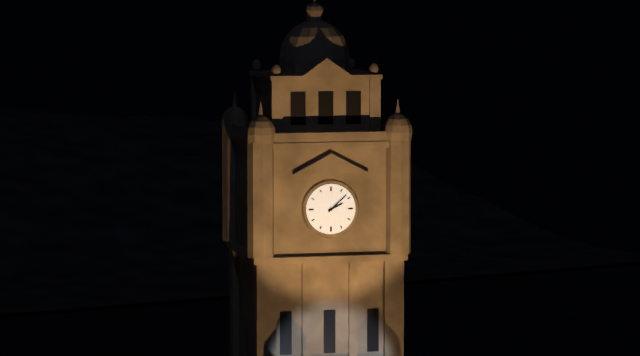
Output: 2.08
